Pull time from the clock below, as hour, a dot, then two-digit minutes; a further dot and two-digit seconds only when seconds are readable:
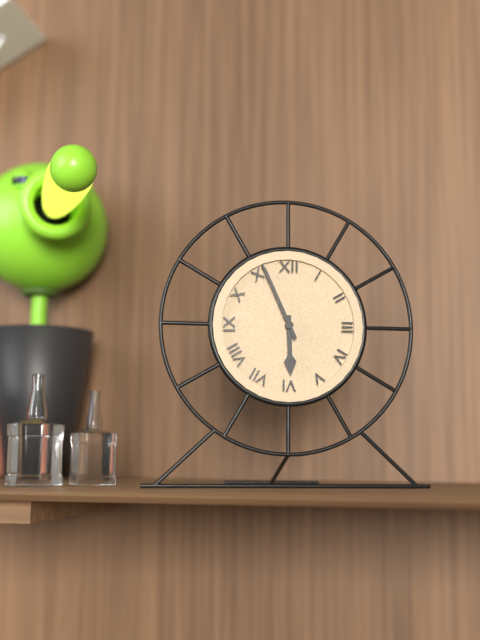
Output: 5.56
